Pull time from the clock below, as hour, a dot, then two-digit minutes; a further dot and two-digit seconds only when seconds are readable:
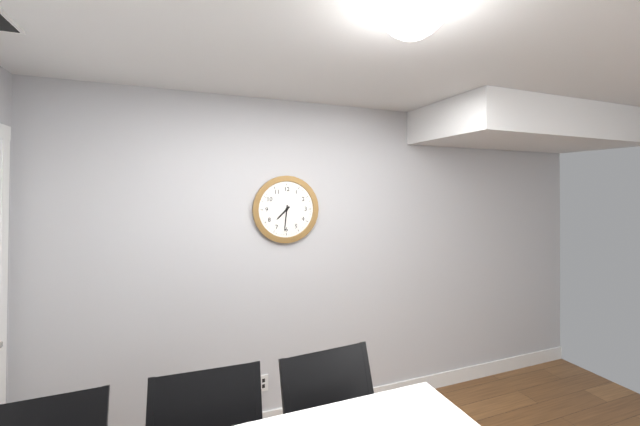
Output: 7.31
